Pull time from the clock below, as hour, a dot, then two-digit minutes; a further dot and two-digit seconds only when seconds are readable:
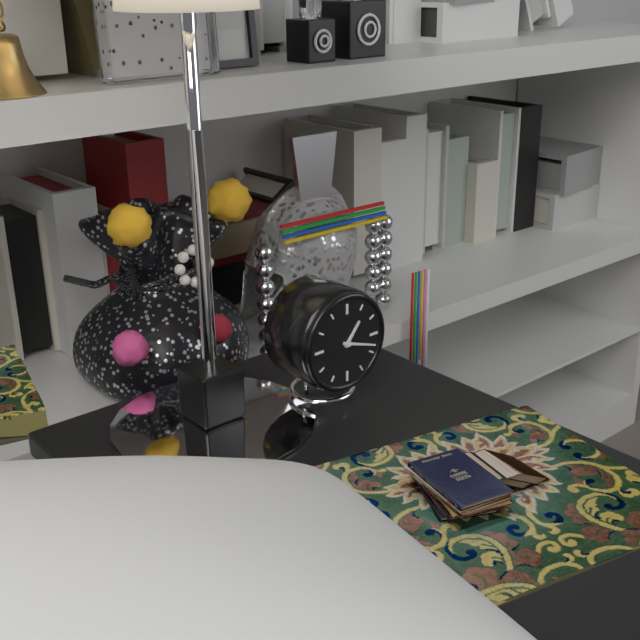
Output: 1.18
